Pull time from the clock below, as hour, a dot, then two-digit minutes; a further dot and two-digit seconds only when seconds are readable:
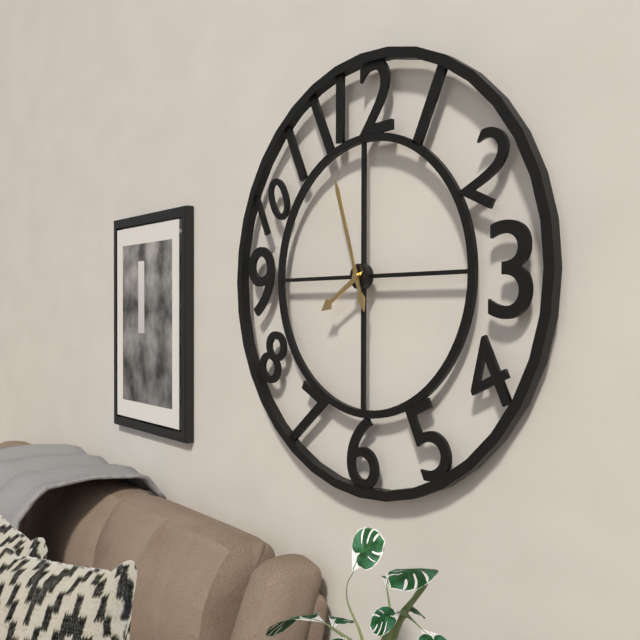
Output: 7.57
